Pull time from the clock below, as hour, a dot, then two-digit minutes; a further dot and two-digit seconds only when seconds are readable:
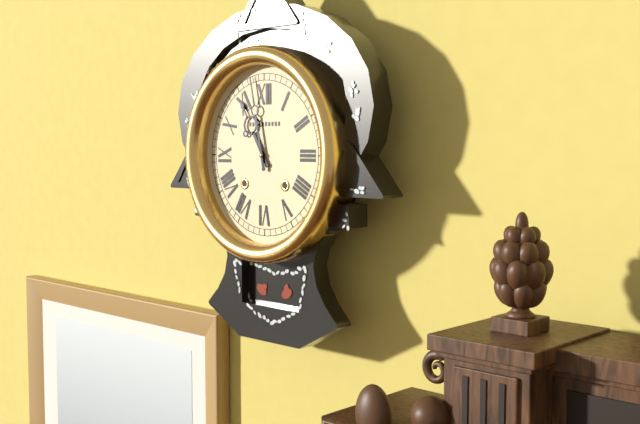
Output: 10.58
